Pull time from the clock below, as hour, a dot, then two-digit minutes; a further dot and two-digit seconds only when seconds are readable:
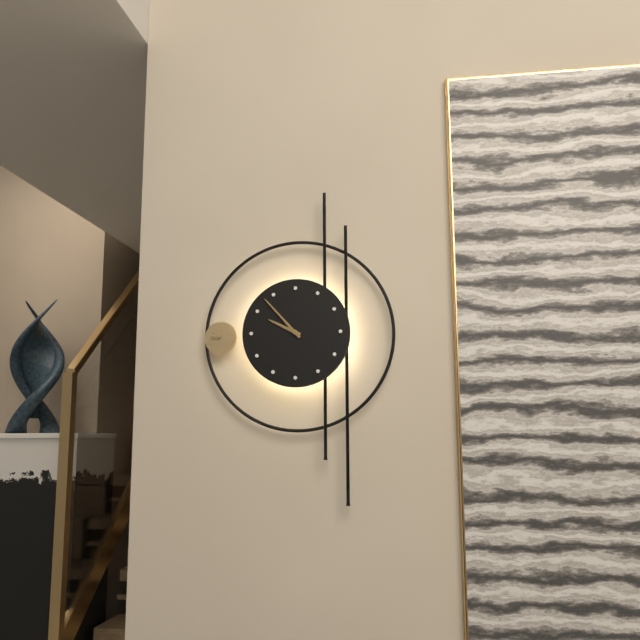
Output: 9.53
